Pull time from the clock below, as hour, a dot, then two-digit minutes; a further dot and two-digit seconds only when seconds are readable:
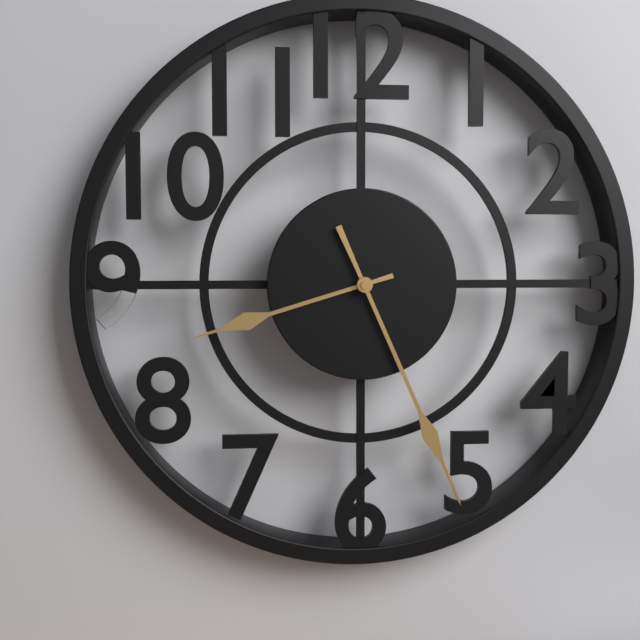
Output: 8.26
